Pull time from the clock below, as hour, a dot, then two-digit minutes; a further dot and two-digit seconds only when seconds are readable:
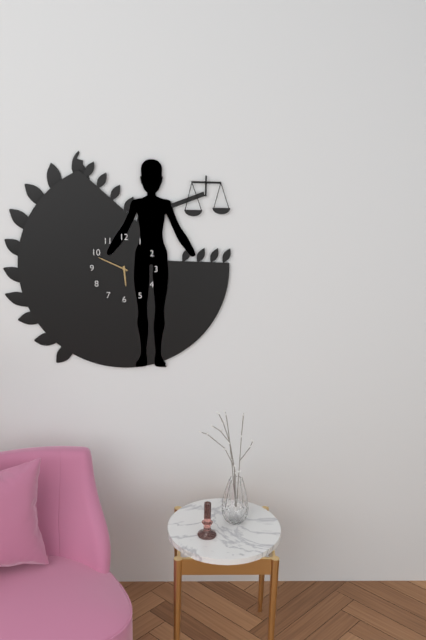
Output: 5.49
